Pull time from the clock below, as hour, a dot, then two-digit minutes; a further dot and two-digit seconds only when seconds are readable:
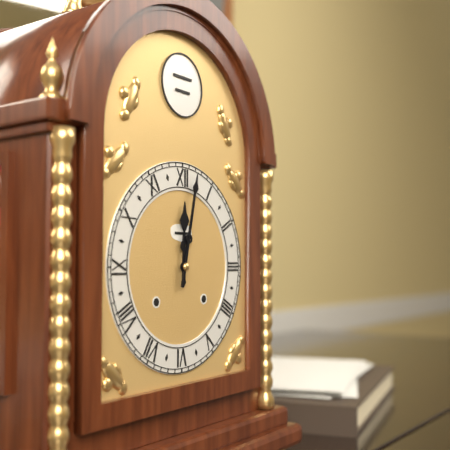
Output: 12.02
